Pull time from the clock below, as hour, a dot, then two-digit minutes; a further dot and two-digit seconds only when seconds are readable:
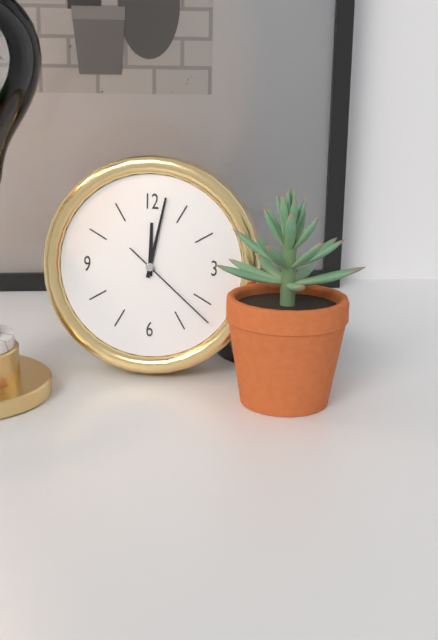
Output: 12.02.22
